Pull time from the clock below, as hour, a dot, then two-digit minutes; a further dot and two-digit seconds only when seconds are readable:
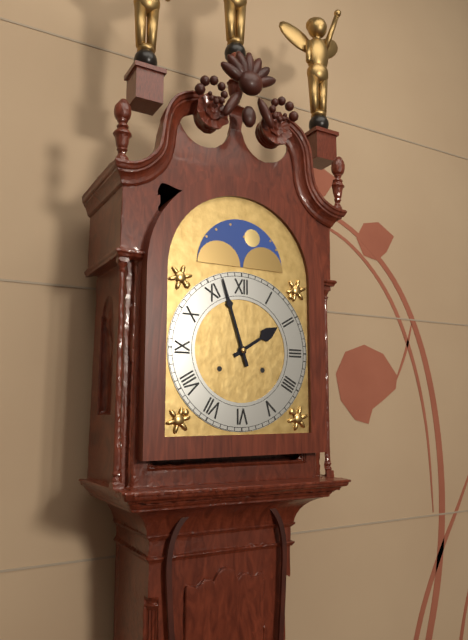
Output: 1.57
